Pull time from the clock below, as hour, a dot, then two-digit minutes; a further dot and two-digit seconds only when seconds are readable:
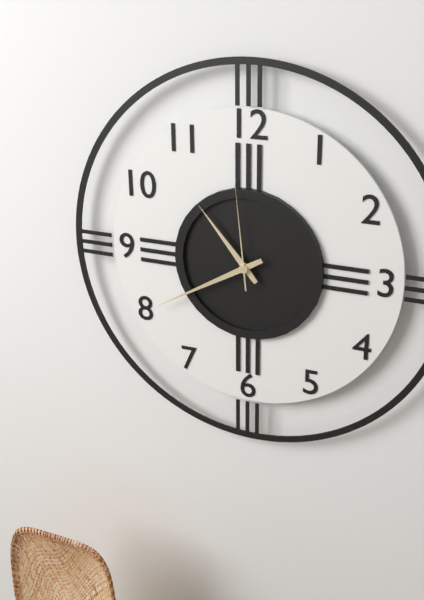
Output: 10.40.59
